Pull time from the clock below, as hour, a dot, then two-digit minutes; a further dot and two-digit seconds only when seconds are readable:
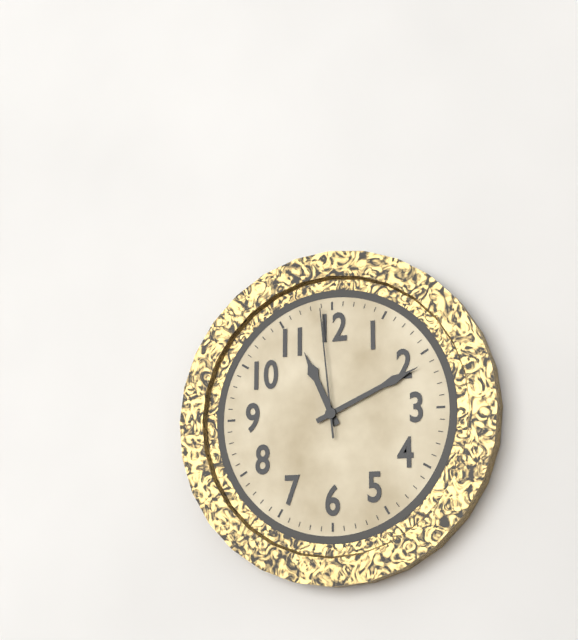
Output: 11.11.59
